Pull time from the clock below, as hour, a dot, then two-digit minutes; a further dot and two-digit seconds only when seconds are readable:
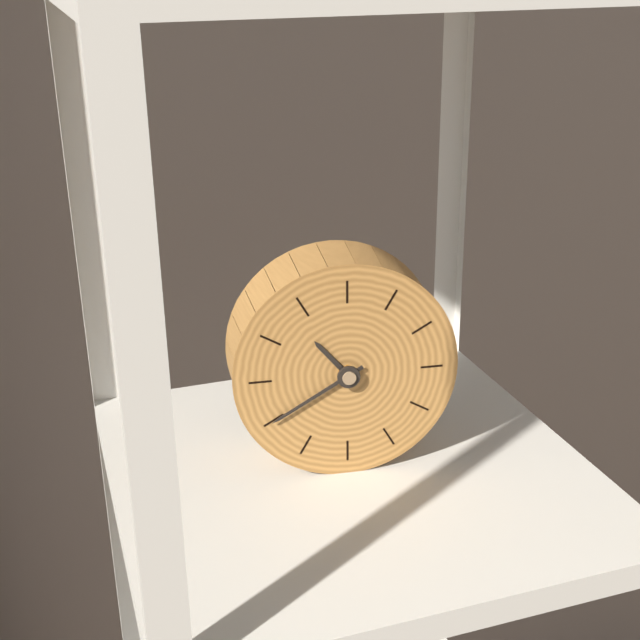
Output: 10.40
